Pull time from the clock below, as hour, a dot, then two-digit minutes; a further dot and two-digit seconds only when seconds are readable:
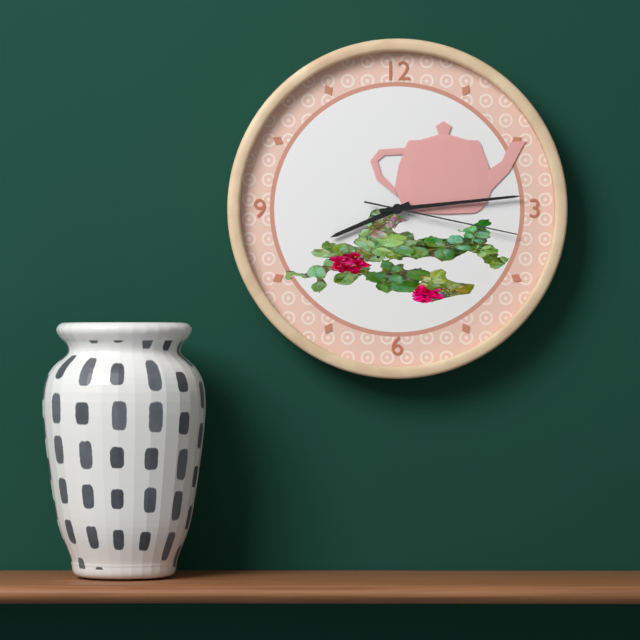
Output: 8.14.17
